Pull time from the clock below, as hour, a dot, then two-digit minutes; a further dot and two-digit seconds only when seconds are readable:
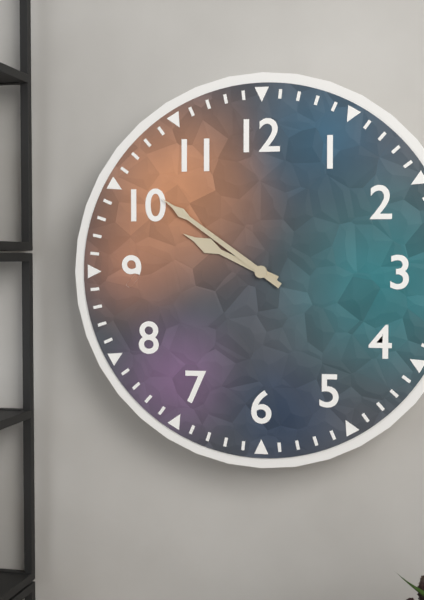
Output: 9.51
